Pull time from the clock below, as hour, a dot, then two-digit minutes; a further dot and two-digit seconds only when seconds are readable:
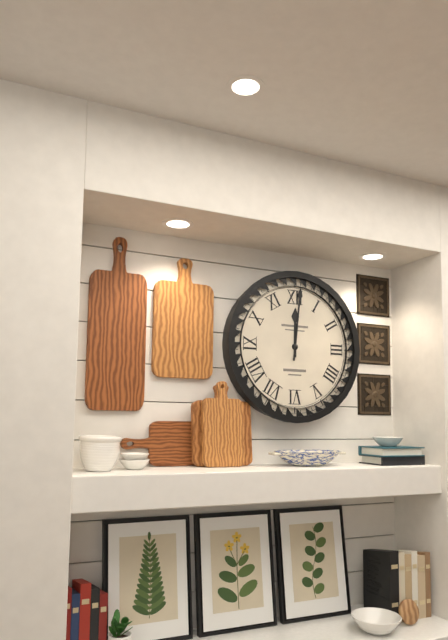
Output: 12.01
